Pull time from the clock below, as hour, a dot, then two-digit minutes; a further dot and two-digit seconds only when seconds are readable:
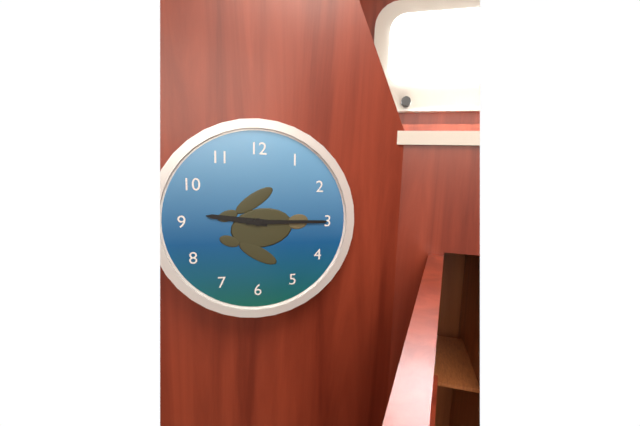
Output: 9.15
